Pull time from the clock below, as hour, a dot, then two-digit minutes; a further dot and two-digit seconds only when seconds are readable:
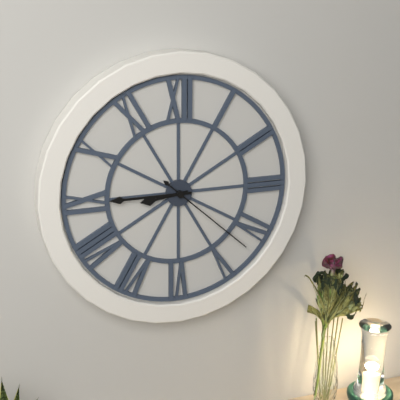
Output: 8.45.22
